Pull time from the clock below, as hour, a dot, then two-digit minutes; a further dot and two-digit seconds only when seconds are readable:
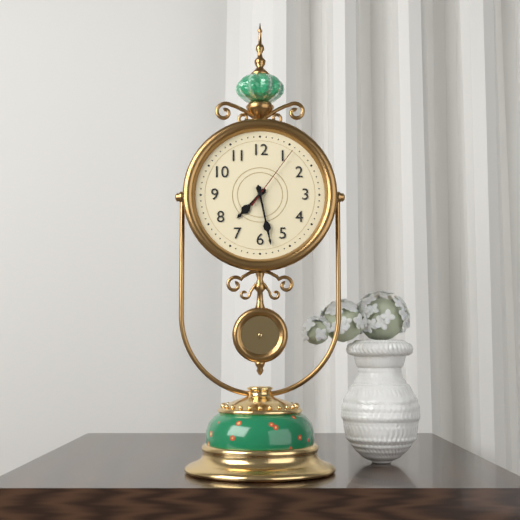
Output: 7.28.06
